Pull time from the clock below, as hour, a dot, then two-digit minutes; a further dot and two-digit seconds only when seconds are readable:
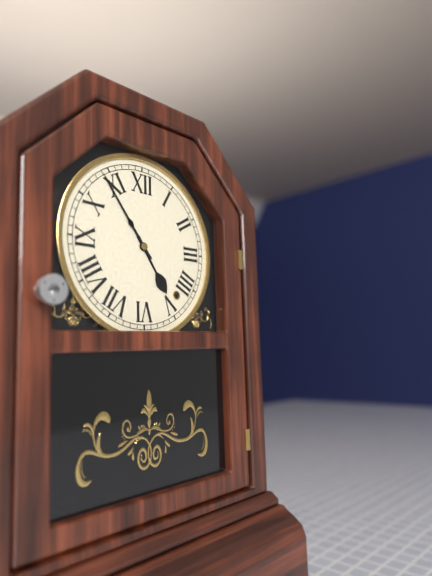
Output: 4.54
